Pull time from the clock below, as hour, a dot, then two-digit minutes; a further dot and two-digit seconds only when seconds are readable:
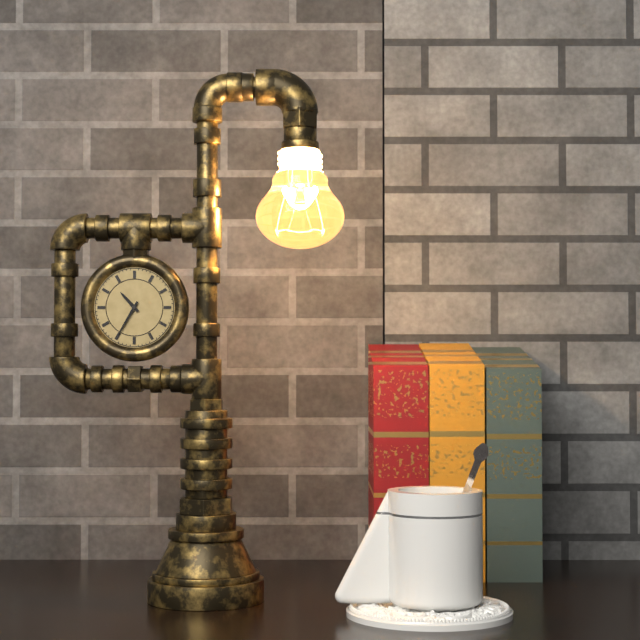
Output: 10.35
